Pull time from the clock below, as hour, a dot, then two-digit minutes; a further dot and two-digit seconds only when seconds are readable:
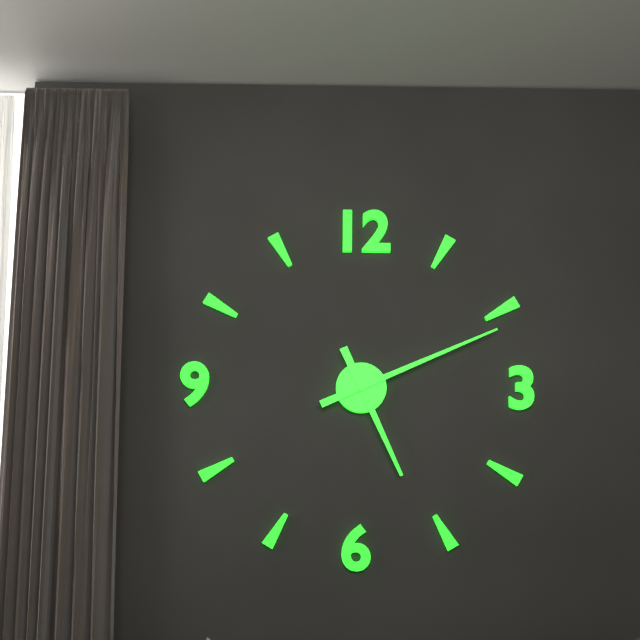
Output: 5.11
